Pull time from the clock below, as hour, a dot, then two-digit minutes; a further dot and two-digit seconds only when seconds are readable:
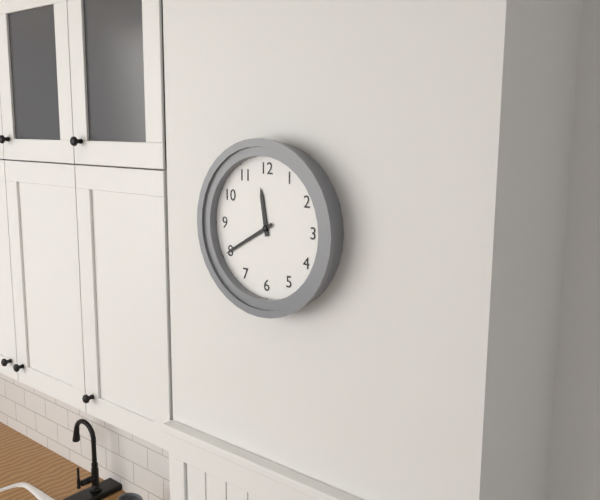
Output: 11.40
